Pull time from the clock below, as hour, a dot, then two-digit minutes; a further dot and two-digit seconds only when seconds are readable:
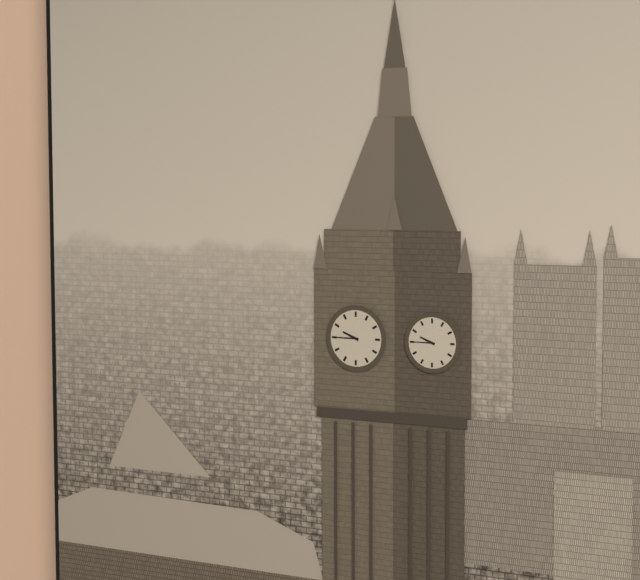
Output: 9.45
